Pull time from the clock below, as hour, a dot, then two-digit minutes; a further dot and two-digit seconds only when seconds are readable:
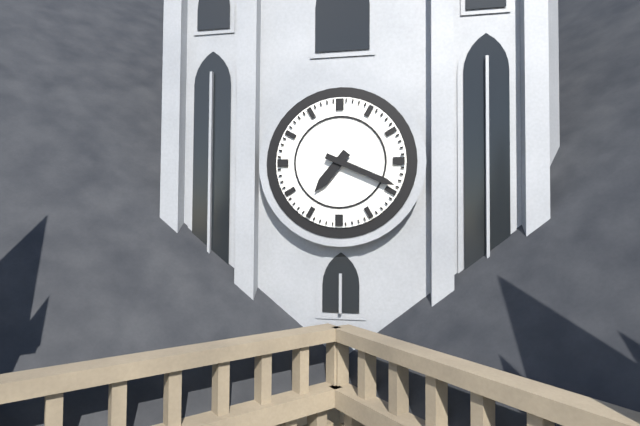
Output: 7.19
